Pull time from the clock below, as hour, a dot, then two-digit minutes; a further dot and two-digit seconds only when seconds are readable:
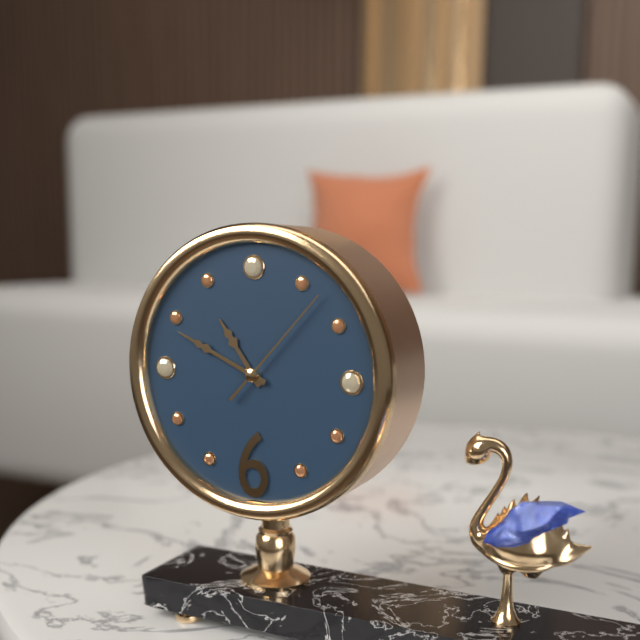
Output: 10.49.07
